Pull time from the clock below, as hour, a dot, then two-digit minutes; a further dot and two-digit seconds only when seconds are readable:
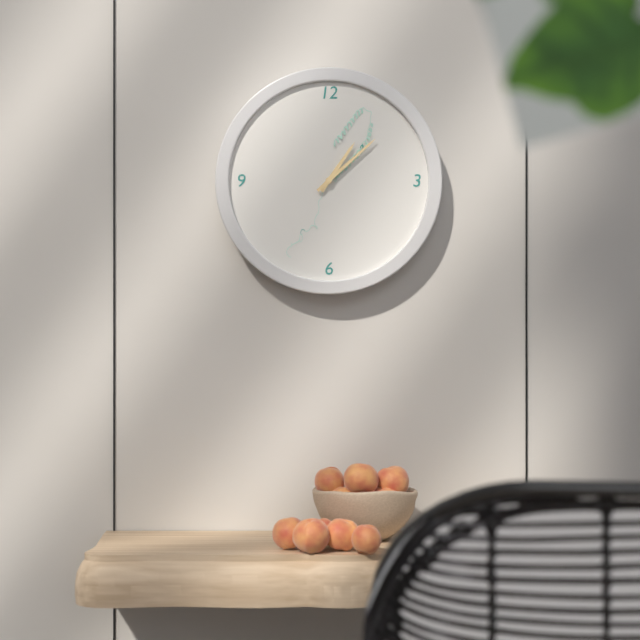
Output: 1.08
